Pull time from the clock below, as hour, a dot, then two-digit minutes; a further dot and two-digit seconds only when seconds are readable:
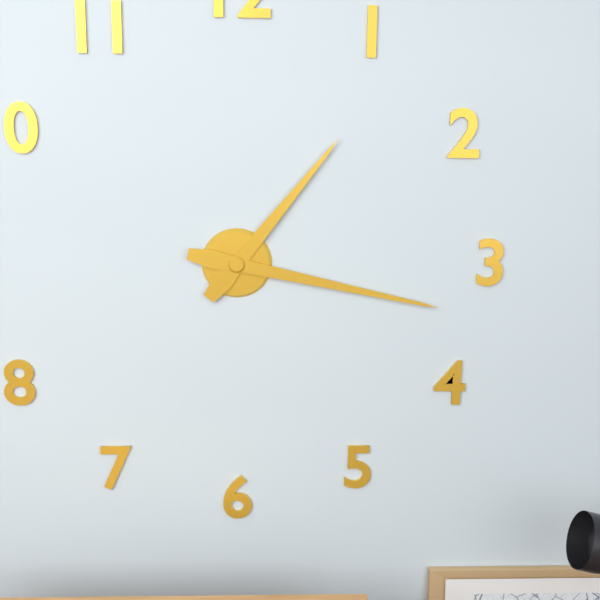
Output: 1.17
